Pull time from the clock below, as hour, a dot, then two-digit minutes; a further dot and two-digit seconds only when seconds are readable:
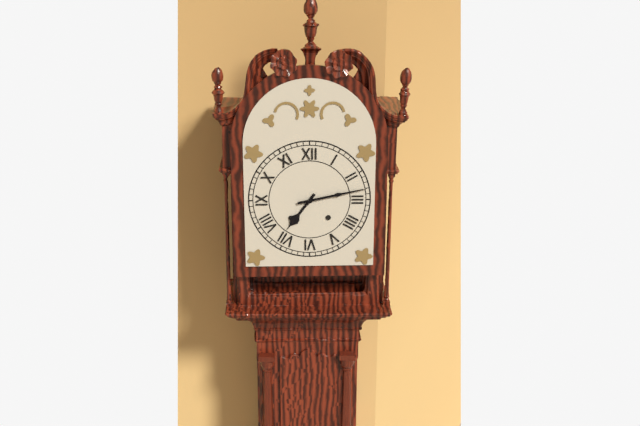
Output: 7.13
